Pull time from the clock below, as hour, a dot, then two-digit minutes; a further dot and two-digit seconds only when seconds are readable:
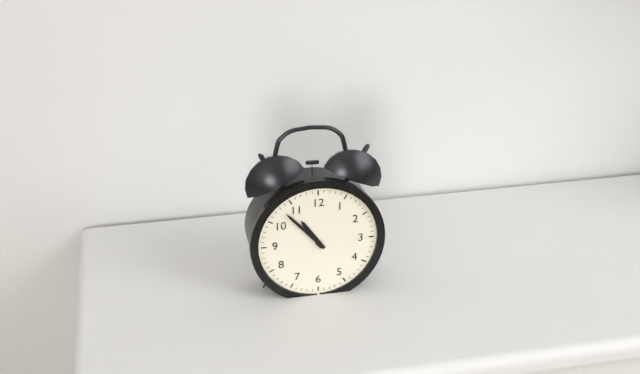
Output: 10.53
